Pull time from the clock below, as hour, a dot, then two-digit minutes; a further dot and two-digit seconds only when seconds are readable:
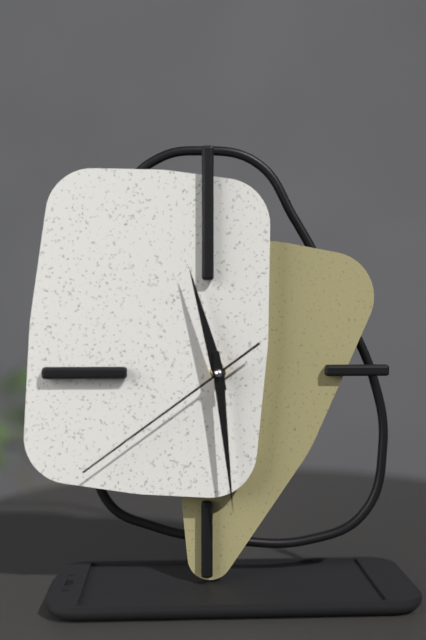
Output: 11.29.39
